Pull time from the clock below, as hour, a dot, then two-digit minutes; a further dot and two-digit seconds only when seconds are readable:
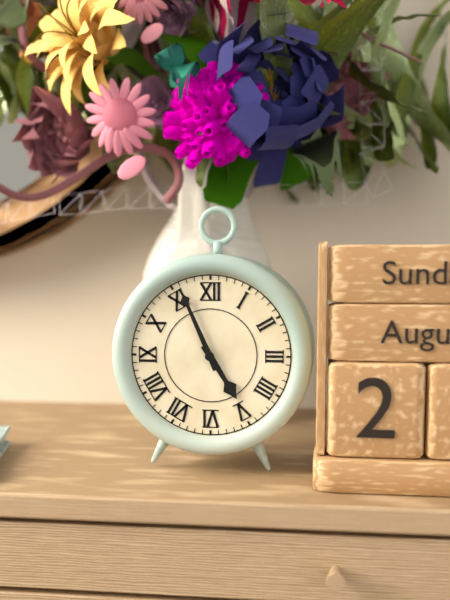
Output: 4.56
